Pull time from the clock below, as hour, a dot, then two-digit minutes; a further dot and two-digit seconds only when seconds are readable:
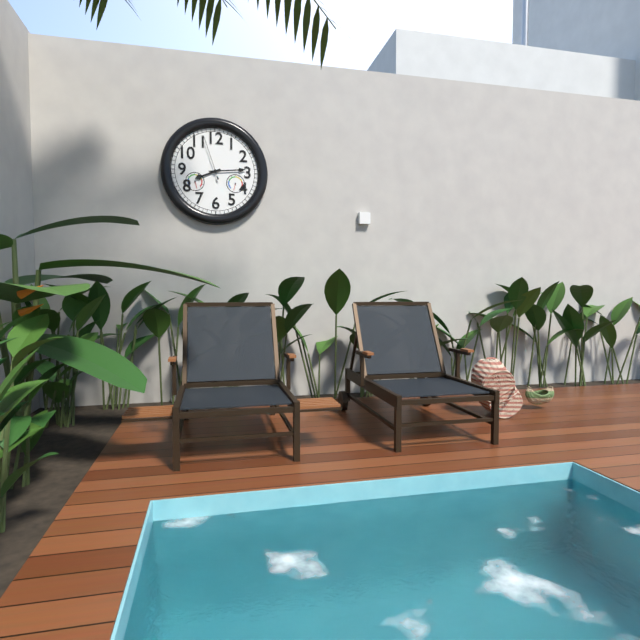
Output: 8.14
